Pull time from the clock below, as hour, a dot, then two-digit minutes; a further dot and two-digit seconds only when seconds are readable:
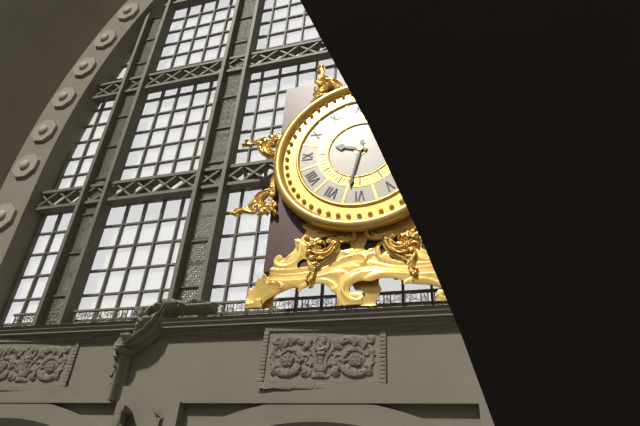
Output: 9.32
